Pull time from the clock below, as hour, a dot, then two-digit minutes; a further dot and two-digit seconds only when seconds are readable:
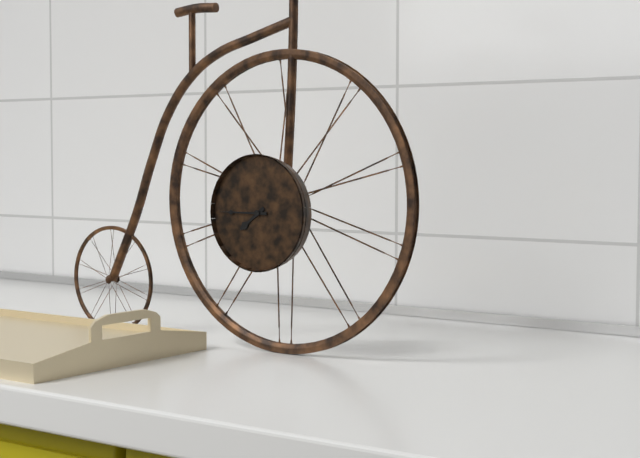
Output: 7.45
